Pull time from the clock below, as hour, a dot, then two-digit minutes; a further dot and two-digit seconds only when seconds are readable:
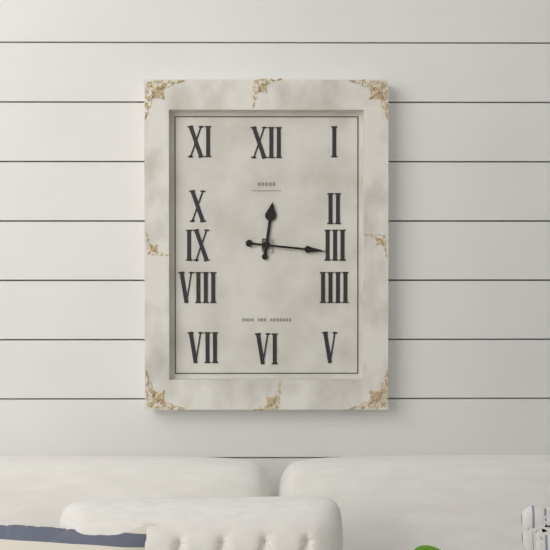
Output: 12.16
